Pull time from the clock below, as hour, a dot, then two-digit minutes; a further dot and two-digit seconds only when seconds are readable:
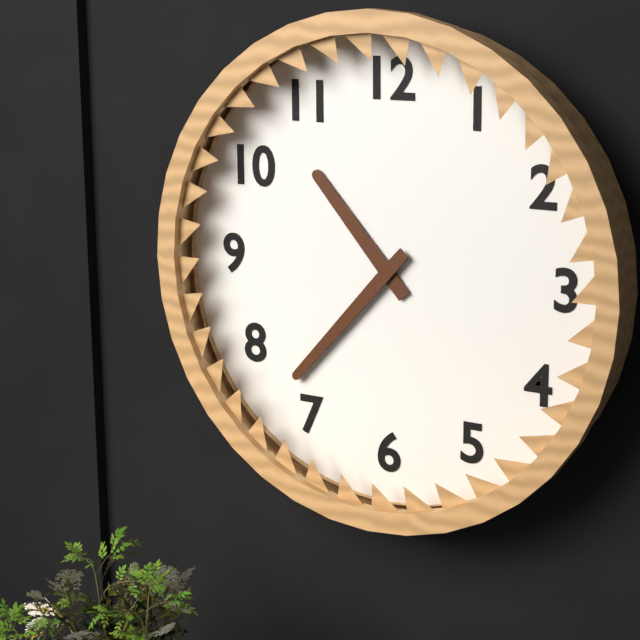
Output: 10.37
